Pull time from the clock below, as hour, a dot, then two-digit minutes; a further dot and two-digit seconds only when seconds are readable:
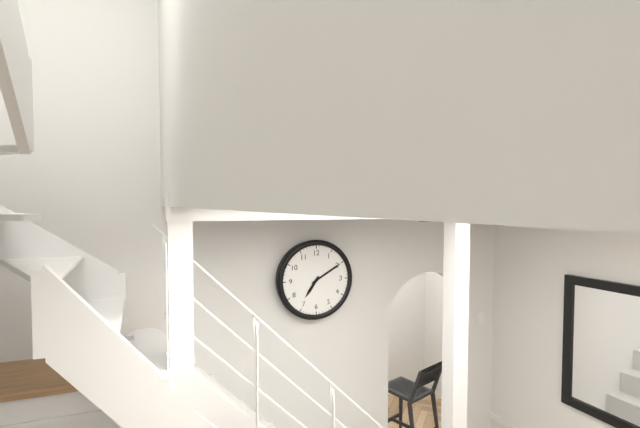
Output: 7.10
